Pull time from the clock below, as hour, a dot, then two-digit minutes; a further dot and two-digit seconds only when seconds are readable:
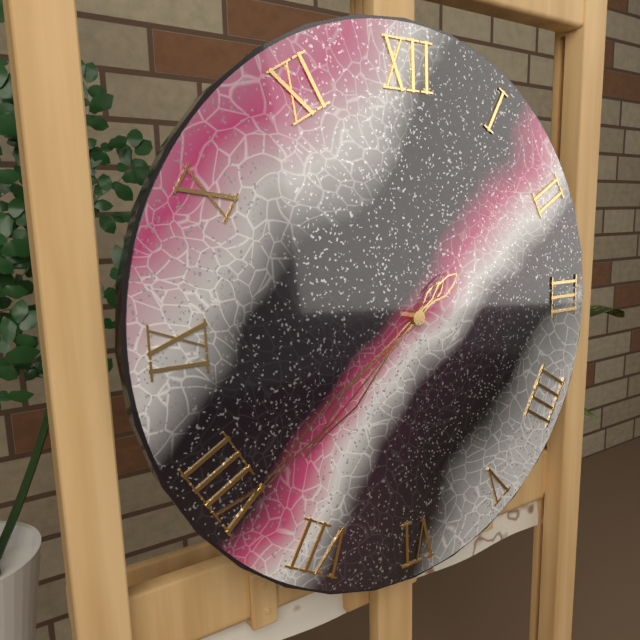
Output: 7.39
